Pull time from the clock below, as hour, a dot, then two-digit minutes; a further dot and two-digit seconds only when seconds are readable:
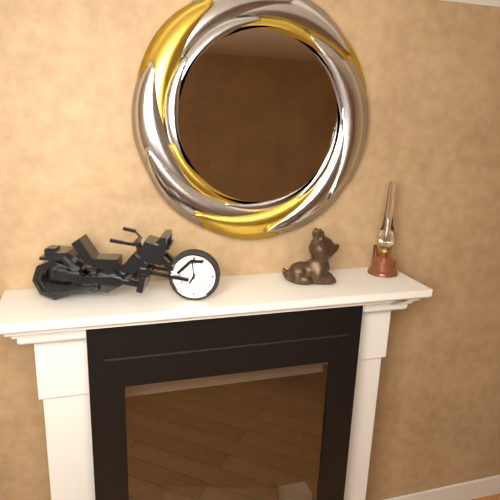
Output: 6.59
